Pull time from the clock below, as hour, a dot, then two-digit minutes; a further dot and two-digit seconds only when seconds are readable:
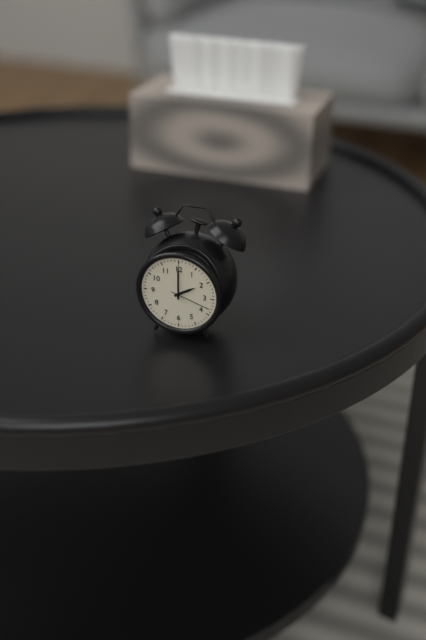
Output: 2.00
